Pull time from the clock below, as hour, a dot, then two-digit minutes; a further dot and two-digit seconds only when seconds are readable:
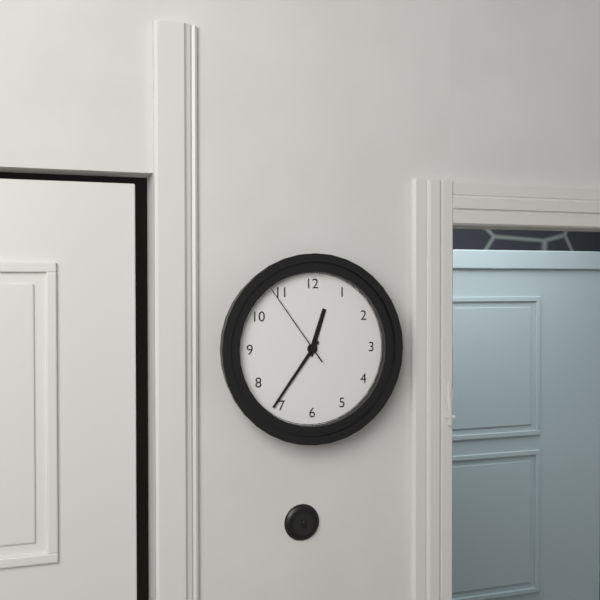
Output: 12.36.54
